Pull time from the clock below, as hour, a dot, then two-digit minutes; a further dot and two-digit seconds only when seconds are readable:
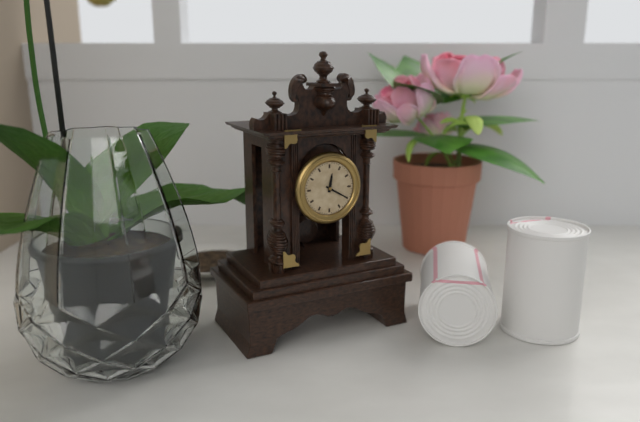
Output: 12.20
